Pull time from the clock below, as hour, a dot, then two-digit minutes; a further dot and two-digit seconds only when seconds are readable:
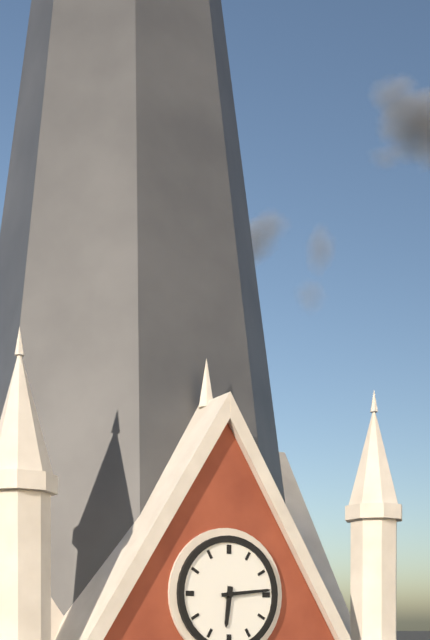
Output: 6.14
